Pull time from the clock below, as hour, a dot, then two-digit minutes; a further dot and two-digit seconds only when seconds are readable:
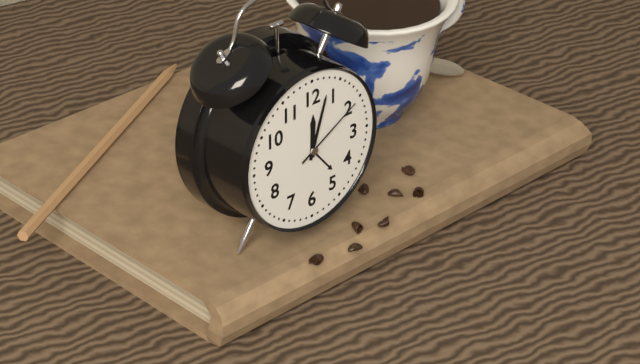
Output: 12.03.10
